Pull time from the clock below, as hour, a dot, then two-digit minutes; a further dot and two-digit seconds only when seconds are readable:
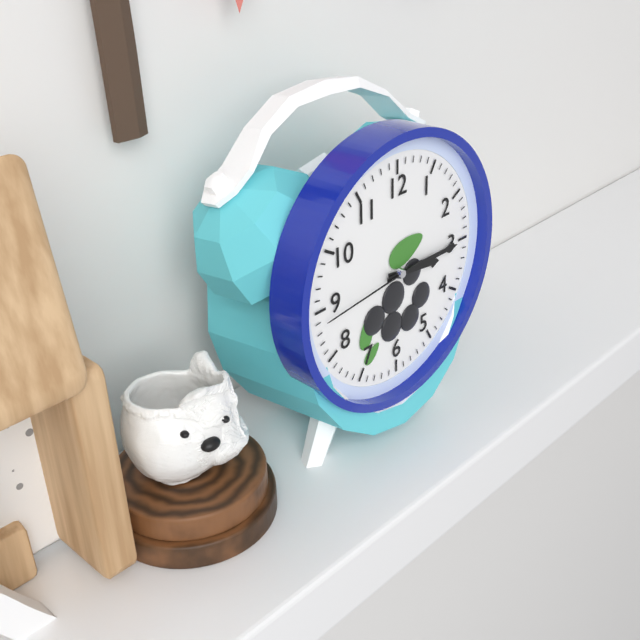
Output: 3.15.44
